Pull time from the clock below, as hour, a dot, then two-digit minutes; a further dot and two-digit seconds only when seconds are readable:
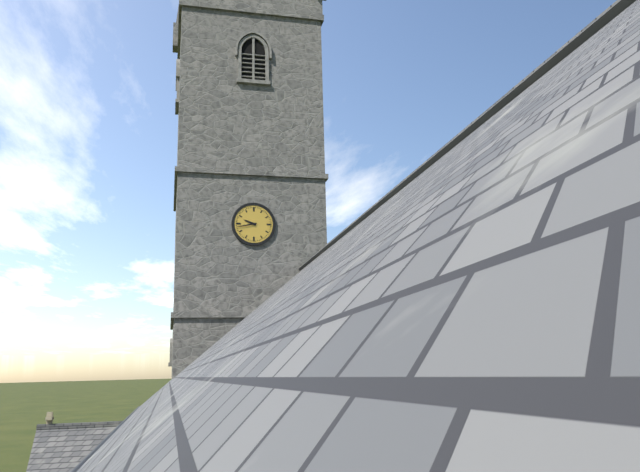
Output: 9.43
